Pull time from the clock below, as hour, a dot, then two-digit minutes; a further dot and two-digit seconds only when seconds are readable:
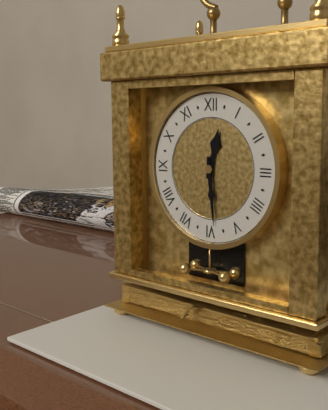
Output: 12.29
